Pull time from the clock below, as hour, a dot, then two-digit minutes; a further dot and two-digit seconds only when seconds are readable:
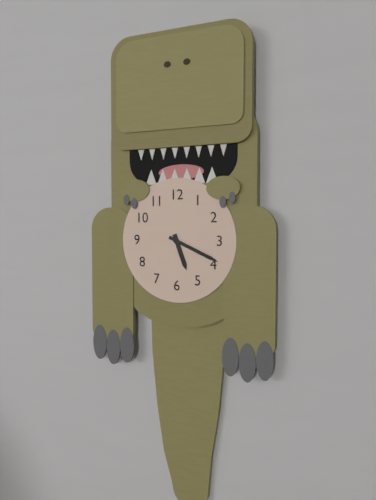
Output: 5.19
